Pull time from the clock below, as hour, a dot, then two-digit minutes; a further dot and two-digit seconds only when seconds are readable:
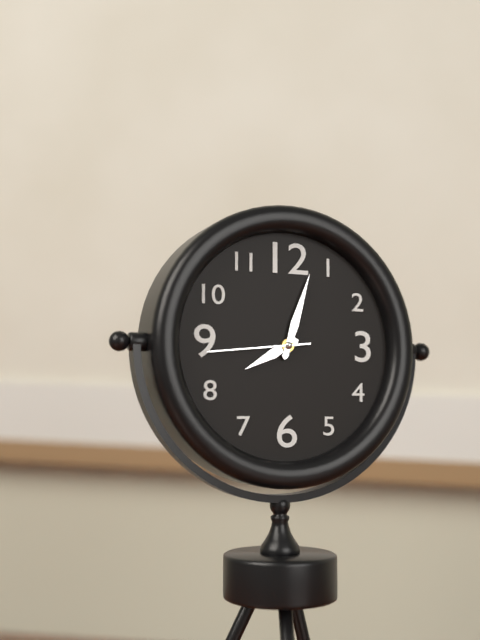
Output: 8.03.44
